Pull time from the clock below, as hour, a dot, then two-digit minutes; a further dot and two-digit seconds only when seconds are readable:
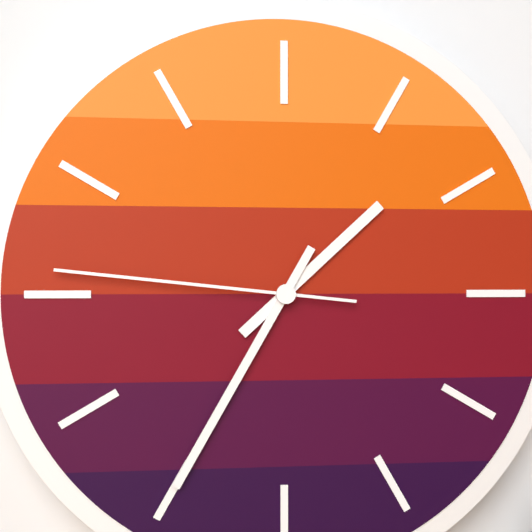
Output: 1.35.46
